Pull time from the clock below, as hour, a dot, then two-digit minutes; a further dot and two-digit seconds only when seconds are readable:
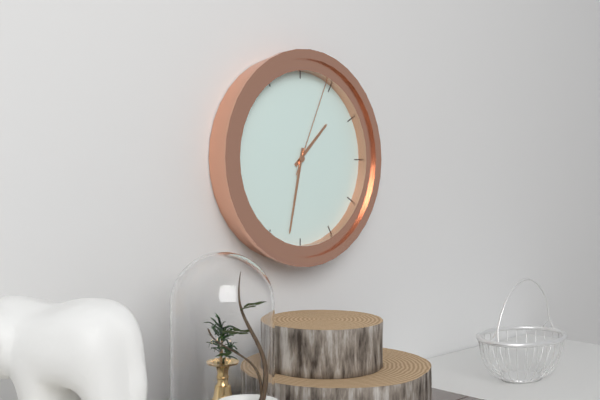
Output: 1.32.04
